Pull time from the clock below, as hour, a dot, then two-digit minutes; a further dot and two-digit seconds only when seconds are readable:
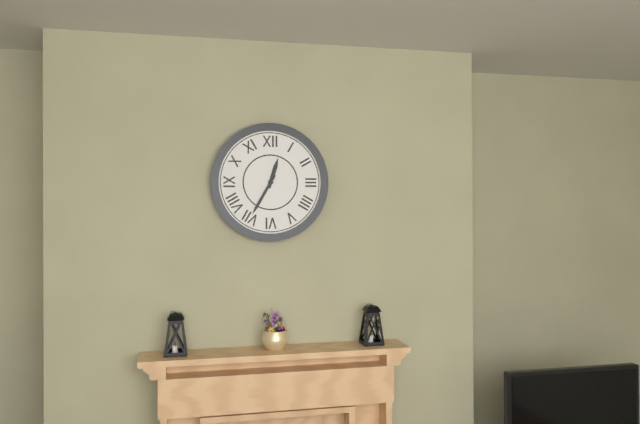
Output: 12.35
